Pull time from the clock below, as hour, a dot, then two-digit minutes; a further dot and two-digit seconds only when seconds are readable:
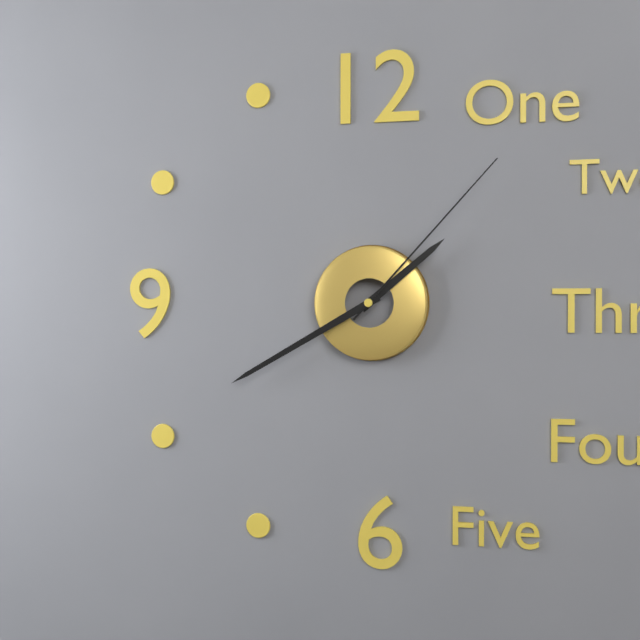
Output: 1.40.07
